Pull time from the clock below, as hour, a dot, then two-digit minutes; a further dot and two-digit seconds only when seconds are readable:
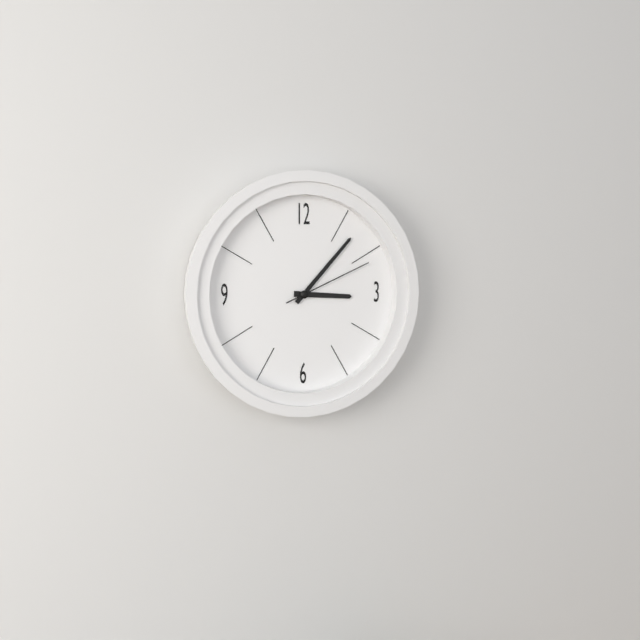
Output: 3.07.11
